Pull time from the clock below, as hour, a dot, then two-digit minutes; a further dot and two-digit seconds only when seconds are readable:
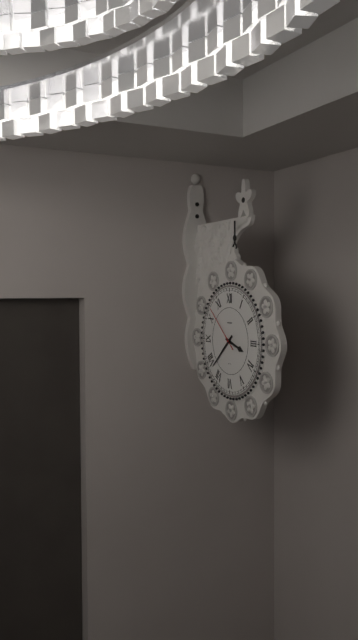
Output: 3.38
